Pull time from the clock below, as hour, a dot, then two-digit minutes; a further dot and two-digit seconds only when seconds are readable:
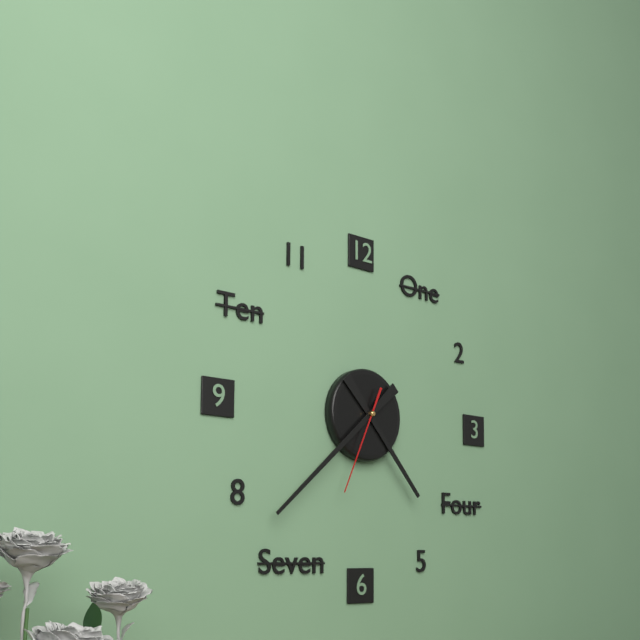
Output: 4.38.34
